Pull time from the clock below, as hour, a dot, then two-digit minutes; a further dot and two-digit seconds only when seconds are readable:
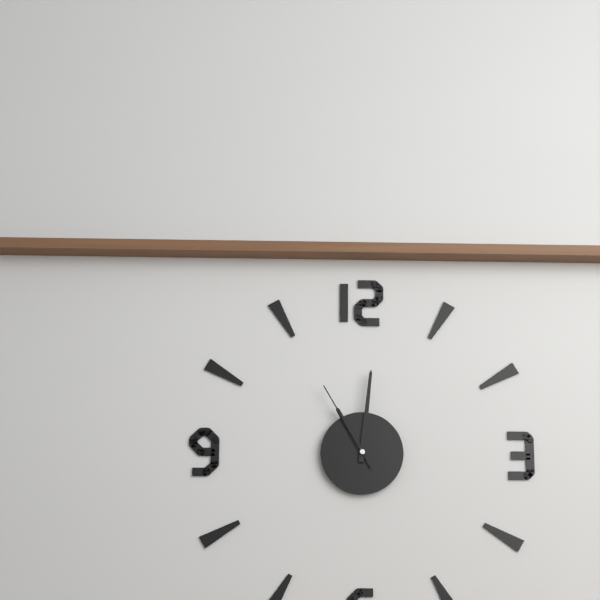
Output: 11.01.55
